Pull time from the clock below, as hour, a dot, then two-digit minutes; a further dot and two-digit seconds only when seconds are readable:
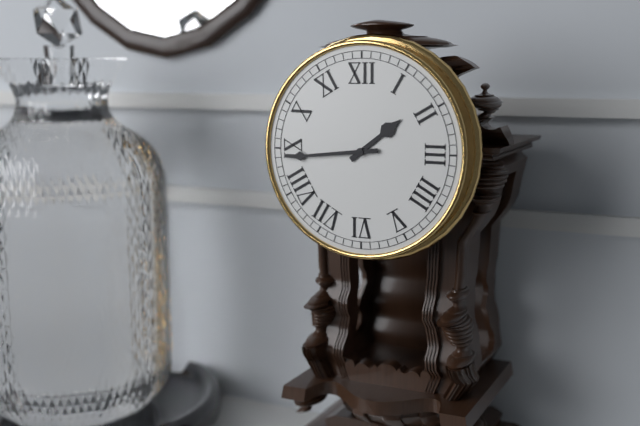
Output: 1.44
